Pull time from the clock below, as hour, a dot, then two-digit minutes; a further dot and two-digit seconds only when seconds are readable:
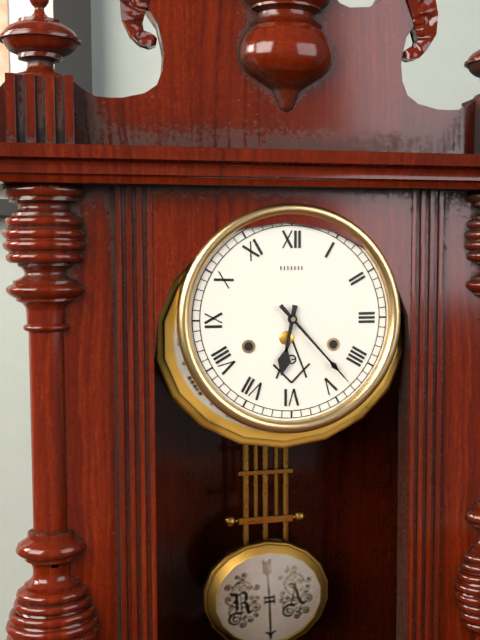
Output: 6.23
